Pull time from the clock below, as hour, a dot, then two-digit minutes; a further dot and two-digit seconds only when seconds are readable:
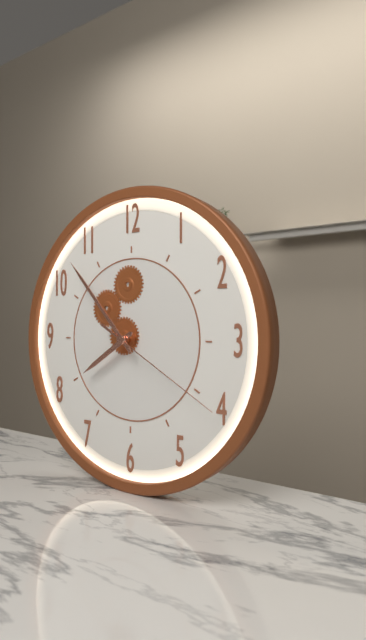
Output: 7.53.20
